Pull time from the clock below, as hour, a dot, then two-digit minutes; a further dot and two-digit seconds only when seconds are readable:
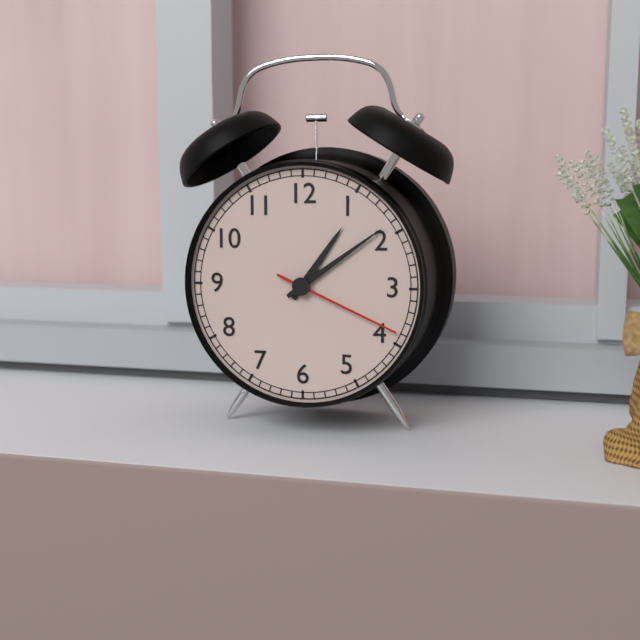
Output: 1.09.19
